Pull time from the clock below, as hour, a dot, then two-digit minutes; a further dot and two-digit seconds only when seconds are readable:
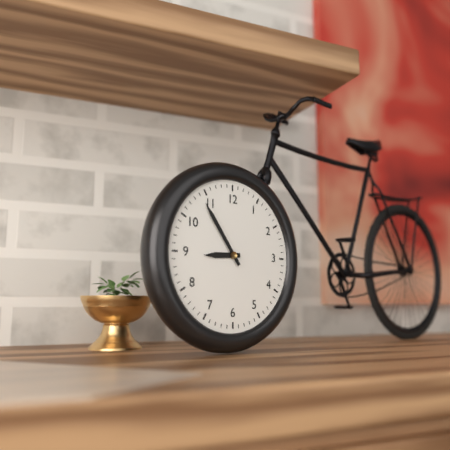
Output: 8.54
